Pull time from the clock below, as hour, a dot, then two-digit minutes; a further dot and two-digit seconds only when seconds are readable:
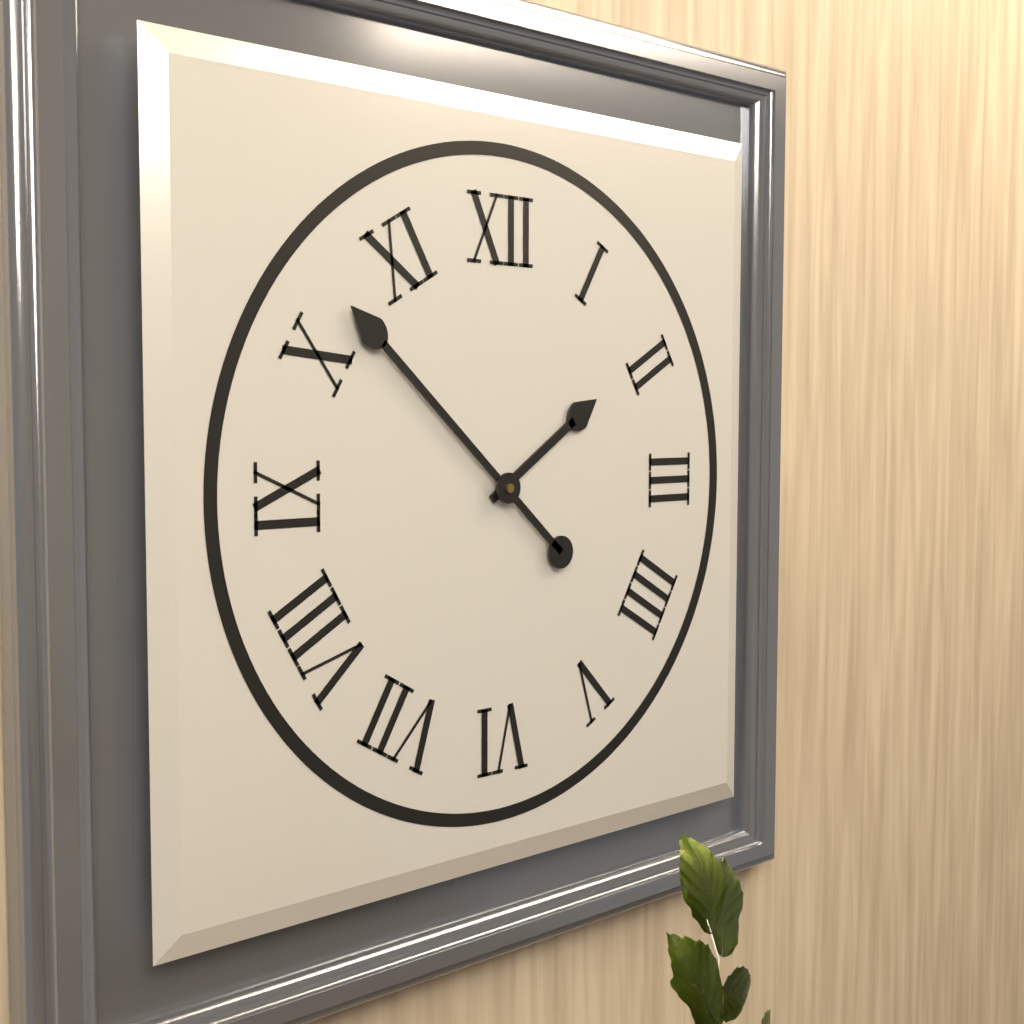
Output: 1.52
